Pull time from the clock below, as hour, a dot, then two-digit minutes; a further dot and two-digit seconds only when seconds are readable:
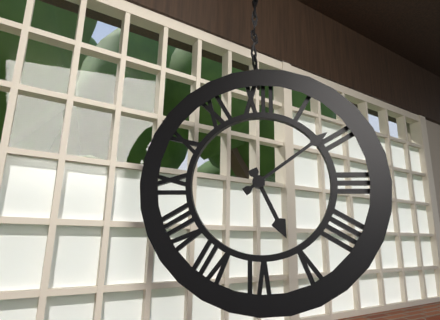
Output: 5.09
